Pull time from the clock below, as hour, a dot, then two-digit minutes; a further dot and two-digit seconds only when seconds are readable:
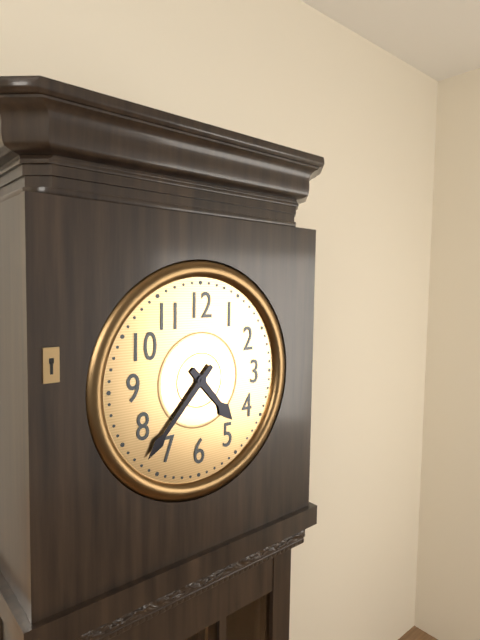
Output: 4.37
